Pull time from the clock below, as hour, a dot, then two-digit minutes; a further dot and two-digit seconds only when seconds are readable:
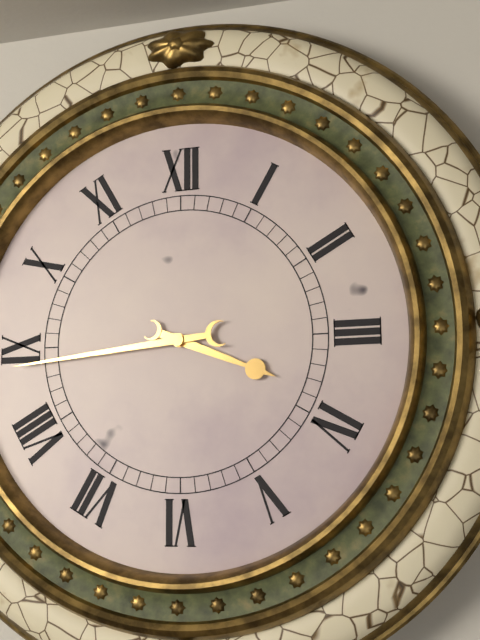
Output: 3.44
